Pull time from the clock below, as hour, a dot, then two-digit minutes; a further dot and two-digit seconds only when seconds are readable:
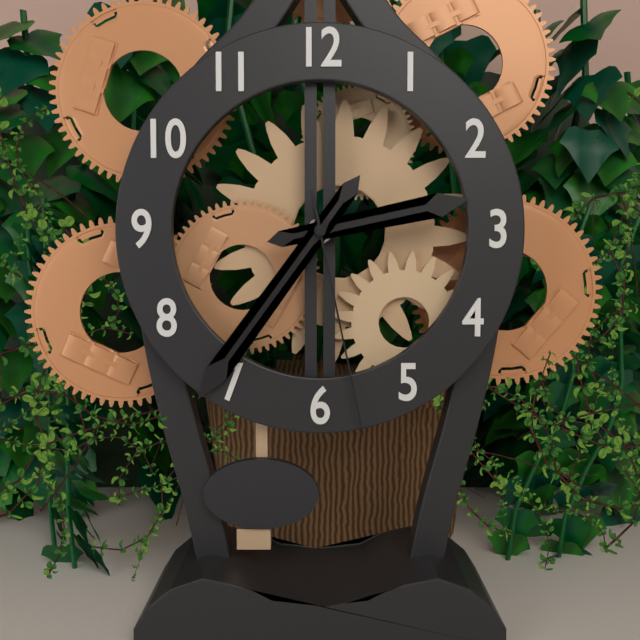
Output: 2.36.28
